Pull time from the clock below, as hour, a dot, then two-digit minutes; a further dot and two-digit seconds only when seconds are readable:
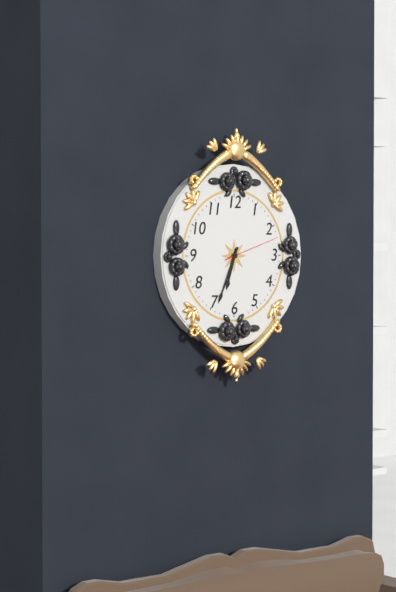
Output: 6.34.12
